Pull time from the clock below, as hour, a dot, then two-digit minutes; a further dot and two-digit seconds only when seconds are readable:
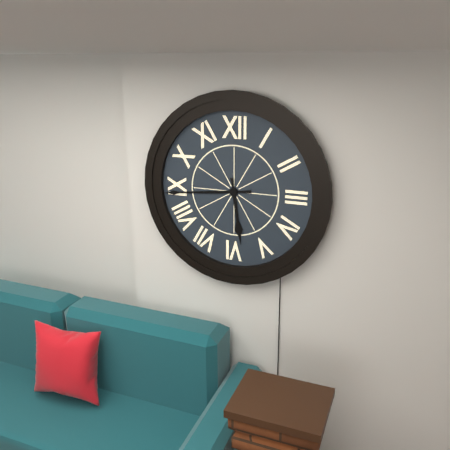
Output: 5.44
